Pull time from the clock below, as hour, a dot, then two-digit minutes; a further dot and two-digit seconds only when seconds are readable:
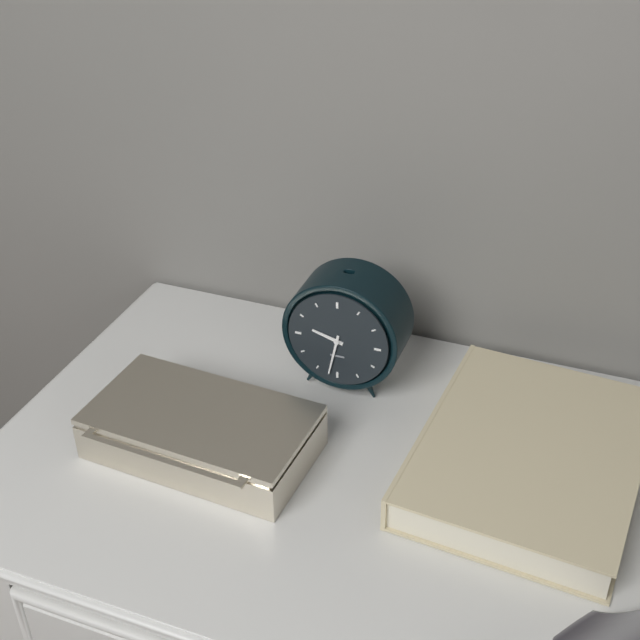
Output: 9.32
